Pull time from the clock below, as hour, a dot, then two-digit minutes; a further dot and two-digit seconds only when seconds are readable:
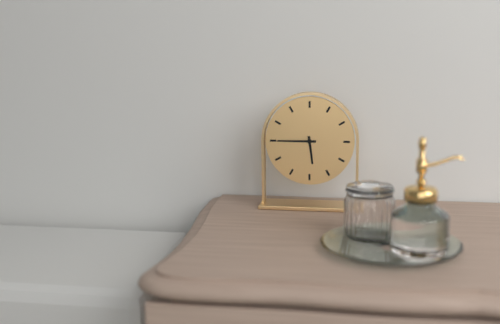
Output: 5.45
